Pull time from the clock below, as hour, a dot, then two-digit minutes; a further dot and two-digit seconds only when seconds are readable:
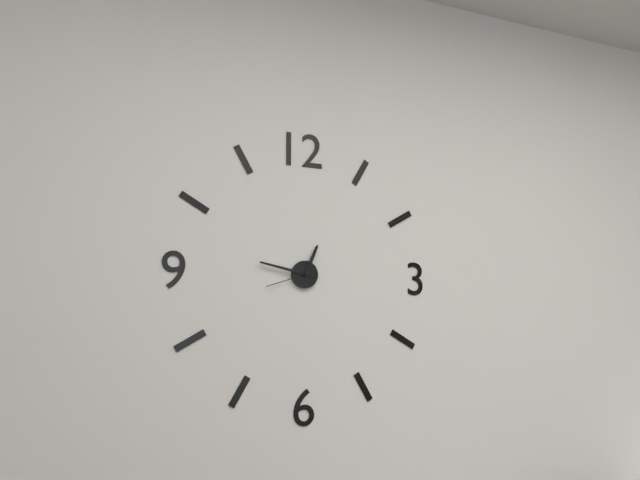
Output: 12.47
